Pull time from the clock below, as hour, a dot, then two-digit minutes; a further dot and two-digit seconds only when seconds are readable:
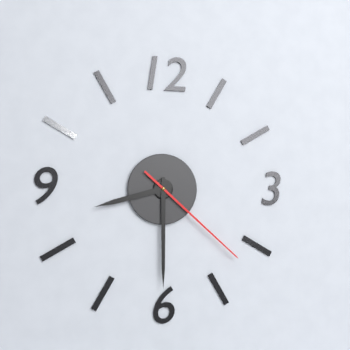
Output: 8.30.22
